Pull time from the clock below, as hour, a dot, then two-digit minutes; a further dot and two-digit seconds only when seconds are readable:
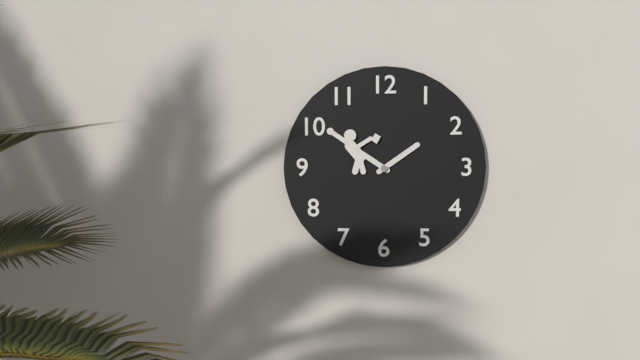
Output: 1.50
